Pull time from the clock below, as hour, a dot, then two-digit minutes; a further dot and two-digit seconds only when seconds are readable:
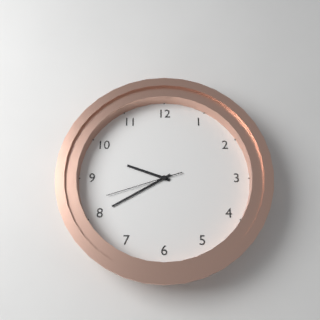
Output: 9.40.42
